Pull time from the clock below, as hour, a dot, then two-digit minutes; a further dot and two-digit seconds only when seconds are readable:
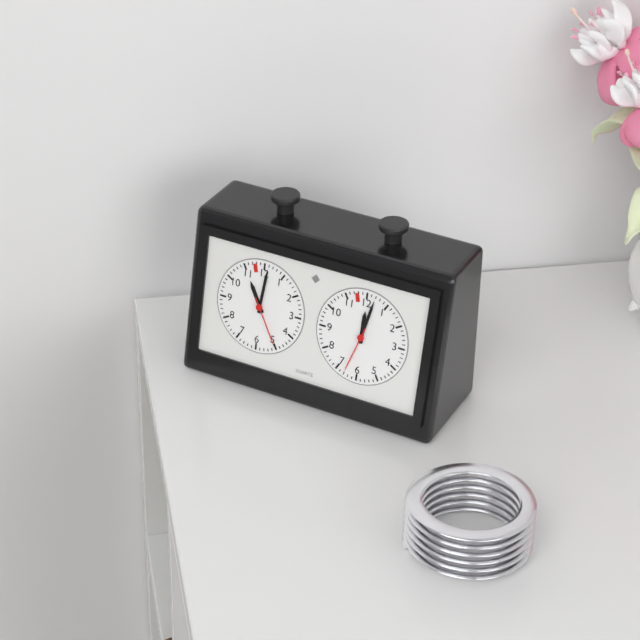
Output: 11.01.25
